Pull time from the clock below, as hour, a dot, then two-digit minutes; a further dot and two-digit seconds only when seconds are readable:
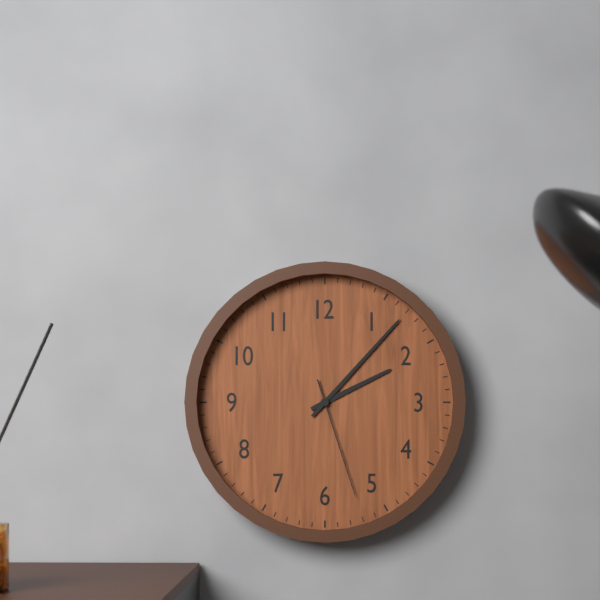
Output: 2.07.27
